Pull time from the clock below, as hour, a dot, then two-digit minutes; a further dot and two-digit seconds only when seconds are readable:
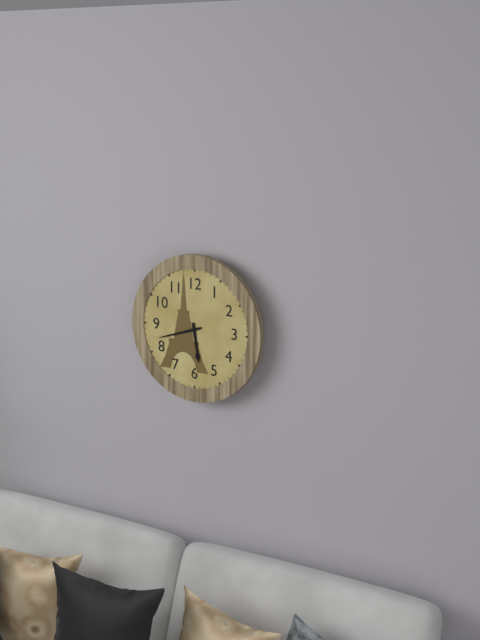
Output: 5.42
